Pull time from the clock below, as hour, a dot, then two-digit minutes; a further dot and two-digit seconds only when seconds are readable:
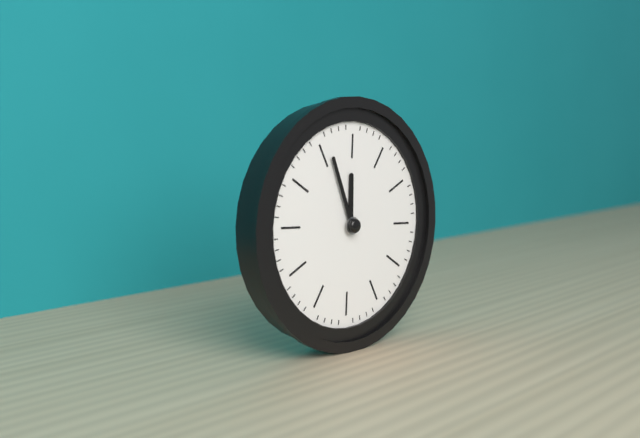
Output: 11.56
